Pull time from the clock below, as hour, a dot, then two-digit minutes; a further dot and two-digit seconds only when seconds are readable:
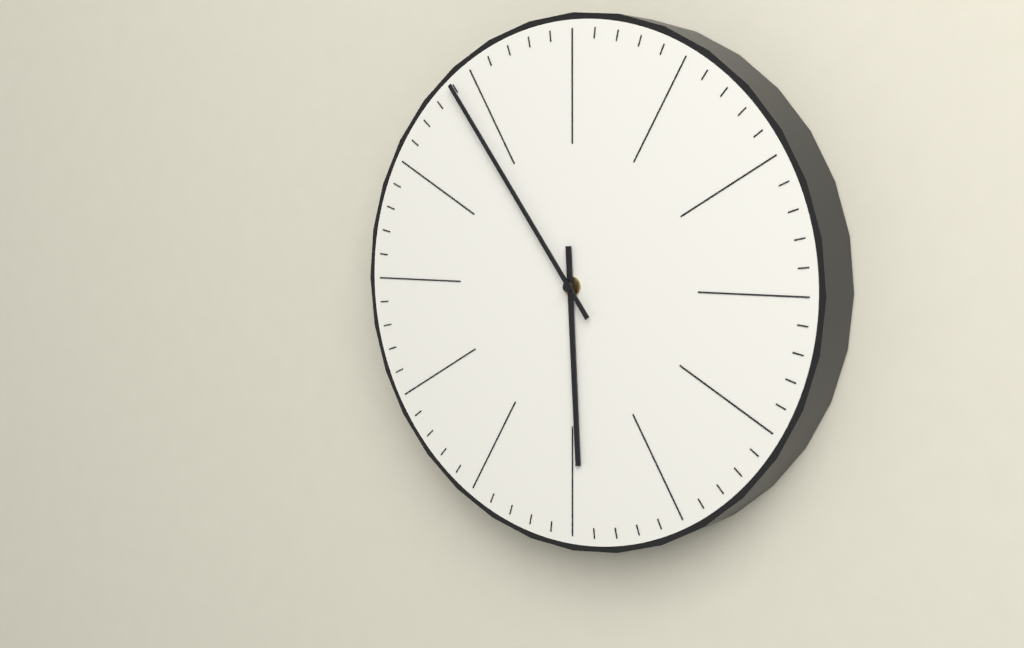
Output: 5.54
